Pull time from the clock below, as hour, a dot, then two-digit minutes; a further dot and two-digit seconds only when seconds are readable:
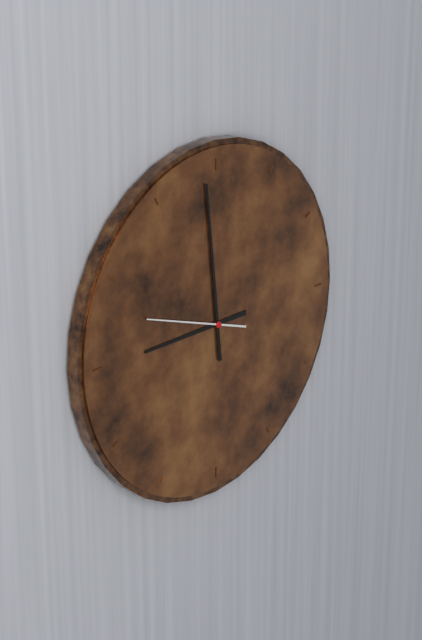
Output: 8.59.48
